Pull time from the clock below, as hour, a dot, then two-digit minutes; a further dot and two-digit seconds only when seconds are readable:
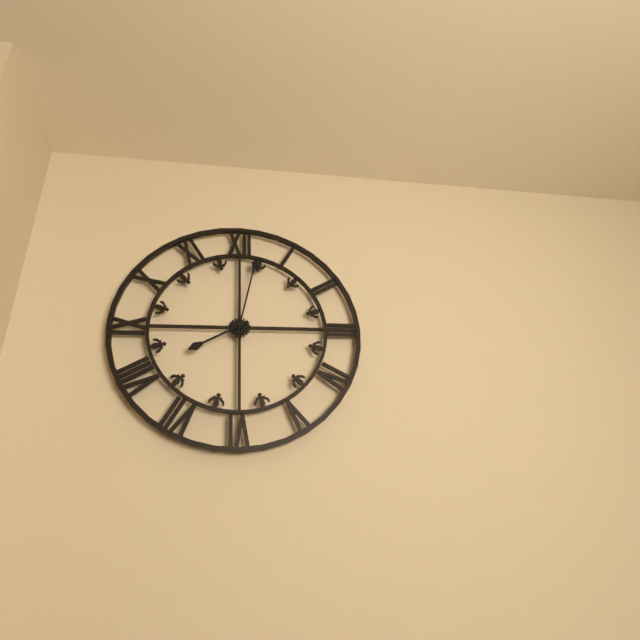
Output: 8.02
